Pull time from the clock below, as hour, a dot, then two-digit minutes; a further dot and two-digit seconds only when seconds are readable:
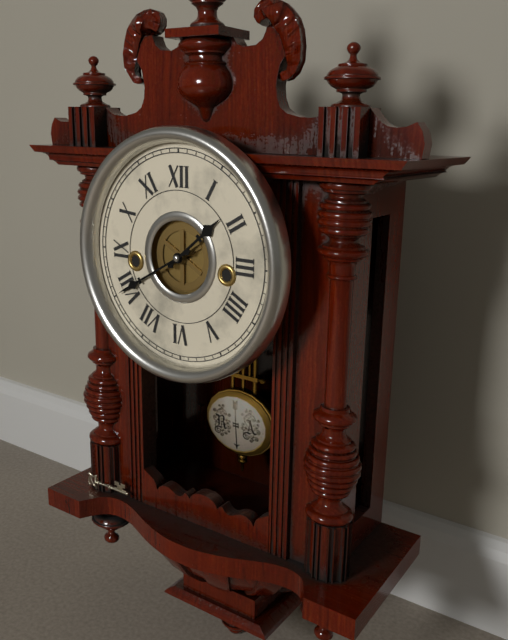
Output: 1.40
